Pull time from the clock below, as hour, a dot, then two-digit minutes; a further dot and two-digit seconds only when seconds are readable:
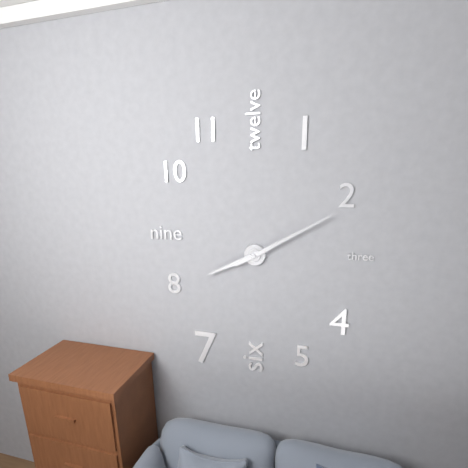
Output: 8.10
